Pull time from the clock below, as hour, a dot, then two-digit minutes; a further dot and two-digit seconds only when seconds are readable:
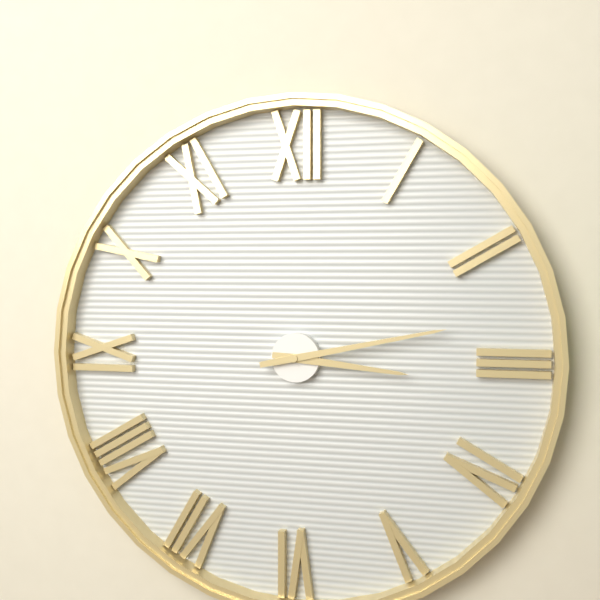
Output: 3.13
